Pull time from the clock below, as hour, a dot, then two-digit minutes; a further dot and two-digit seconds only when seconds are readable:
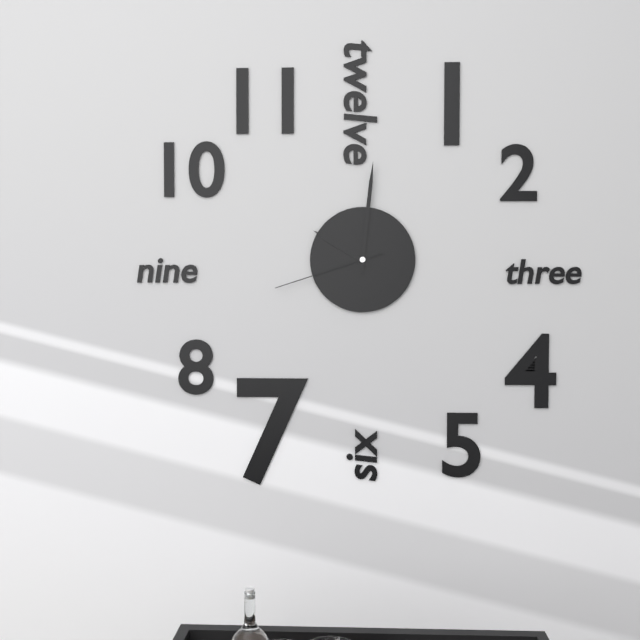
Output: 10.01.42
